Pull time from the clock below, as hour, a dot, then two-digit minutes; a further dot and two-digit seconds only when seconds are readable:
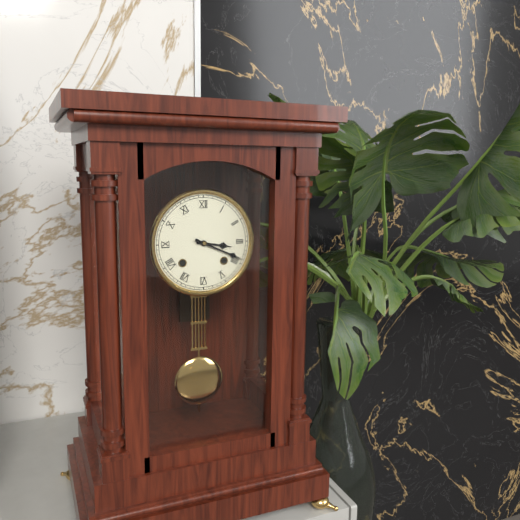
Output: 3.19
